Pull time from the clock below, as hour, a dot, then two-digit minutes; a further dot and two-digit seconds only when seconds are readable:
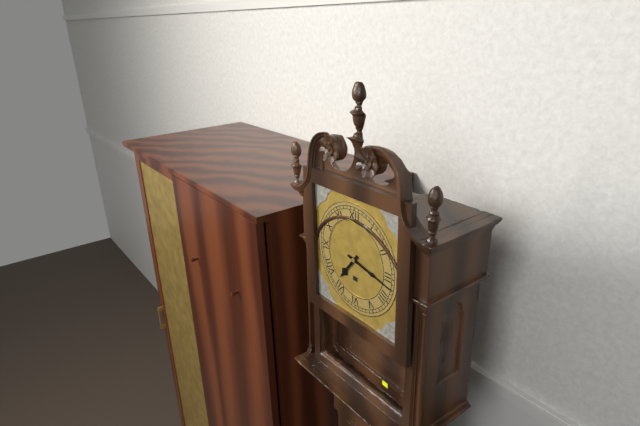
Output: 7.17
